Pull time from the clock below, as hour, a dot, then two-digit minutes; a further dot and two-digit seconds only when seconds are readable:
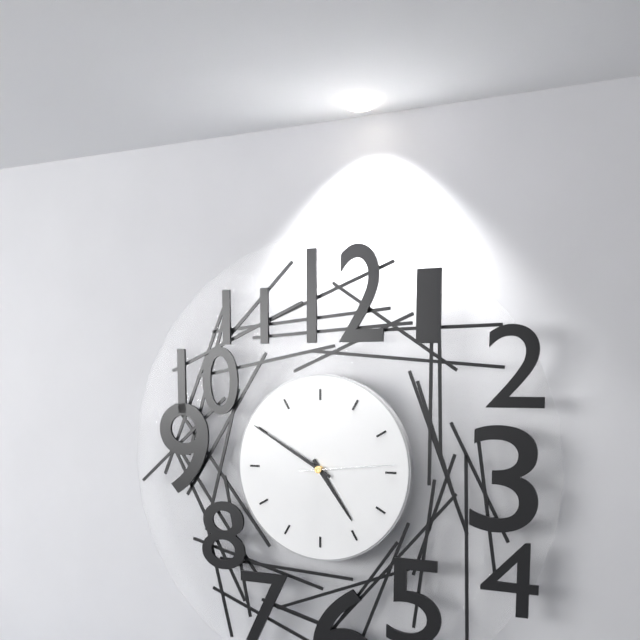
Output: 4.50.14
